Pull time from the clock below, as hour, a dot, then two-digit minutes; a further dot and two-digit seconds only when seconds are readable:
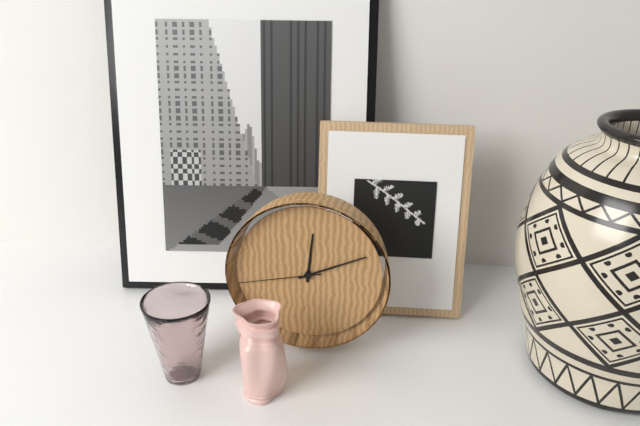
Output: 12.11.43
